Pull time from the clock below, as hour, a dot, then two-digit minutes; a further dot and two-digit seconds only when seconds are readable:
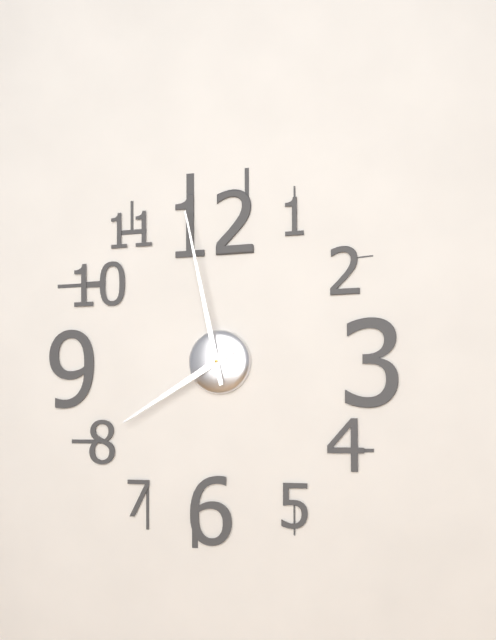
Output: 7.58
